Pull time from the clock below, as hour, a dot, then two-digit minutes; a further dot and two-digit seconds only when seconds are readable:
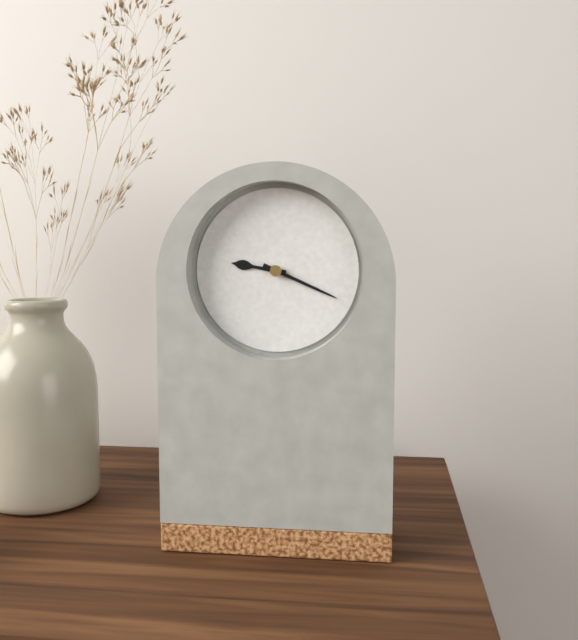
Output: 9.19
